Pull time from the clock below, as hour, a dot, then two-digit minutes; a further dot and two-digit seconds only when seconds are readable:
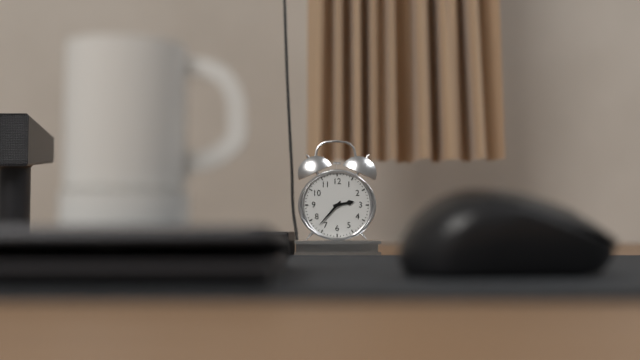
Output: 2.37
